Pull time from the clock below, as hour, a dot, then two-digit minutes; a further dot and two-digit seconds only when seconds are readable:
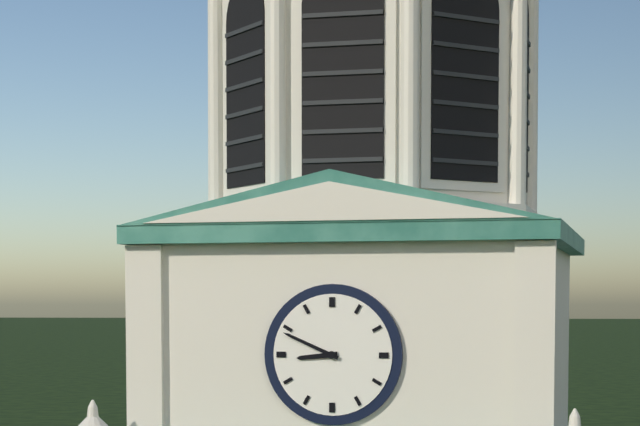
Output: 8.49
